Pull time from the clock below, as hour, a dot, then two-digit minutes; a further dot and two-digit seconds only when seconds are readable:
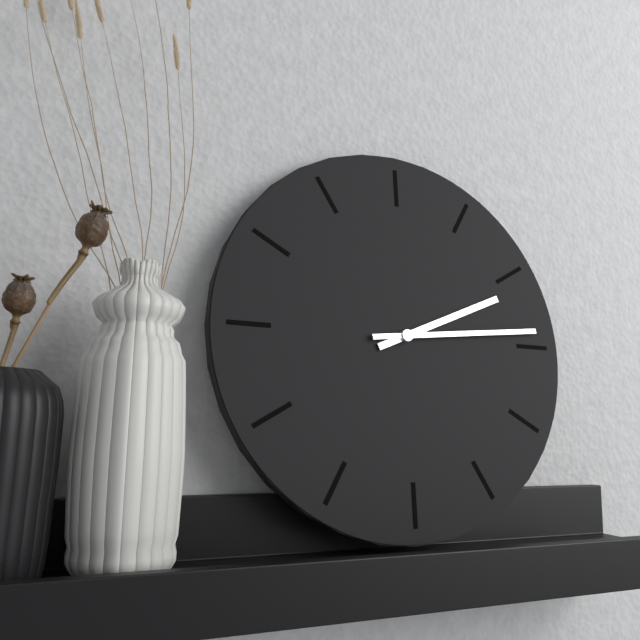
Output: 2.14
